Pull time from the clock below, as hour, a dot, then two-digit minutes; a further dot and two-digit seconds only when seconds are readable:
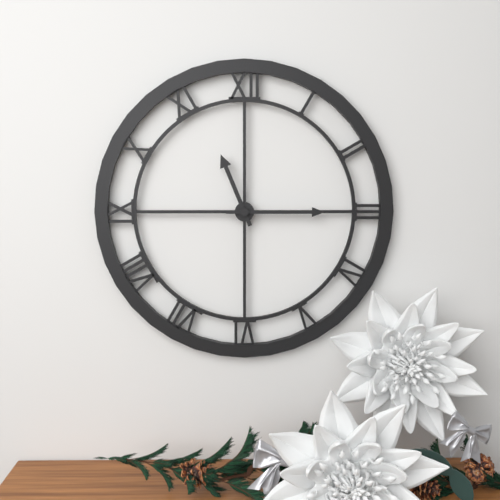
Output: 11.15
